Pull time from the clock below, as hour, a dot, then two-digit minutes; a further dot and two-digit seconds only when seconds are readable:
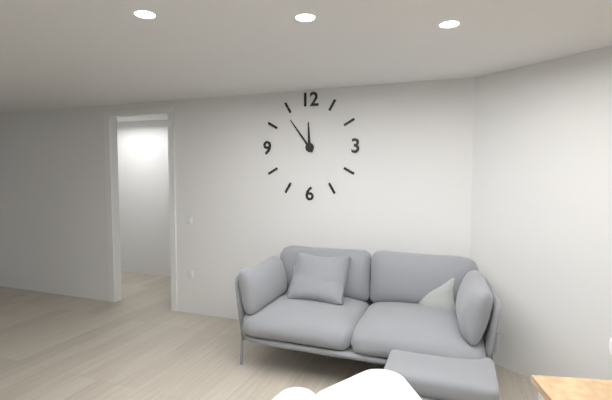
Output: 11.54
